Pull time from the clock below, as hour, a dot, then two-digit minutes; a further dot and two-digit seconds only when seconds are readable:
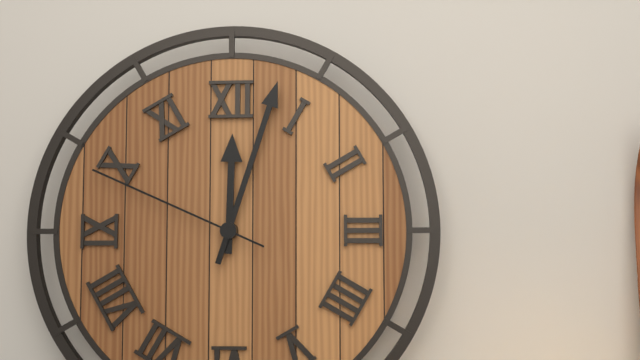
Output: 12.03.49
